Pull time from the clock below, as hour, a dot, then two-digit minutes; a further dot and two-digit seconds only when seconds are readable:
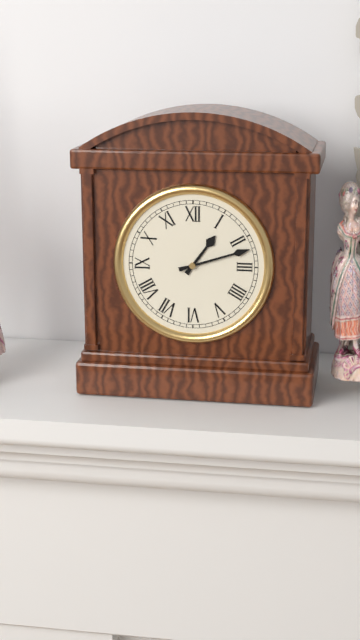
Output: 1.12
